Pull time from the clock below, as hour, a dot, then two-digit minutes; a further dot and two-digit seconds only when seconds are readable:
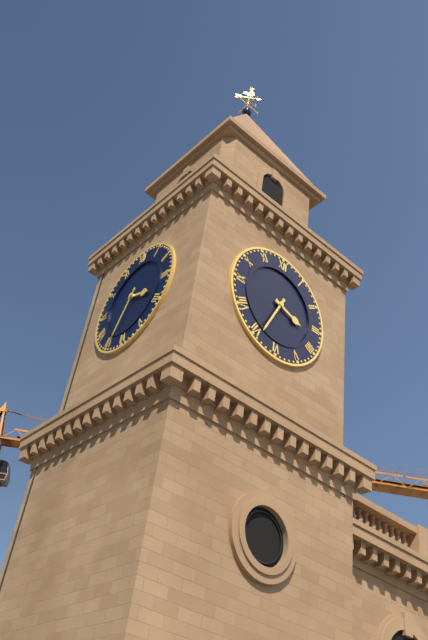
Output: 3.34
